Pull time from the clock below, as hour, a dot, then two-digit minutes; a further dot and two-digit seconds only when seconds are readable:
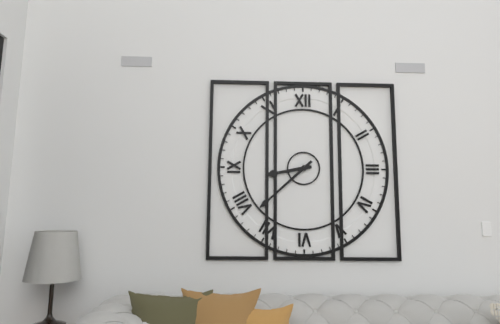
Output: 8.38
